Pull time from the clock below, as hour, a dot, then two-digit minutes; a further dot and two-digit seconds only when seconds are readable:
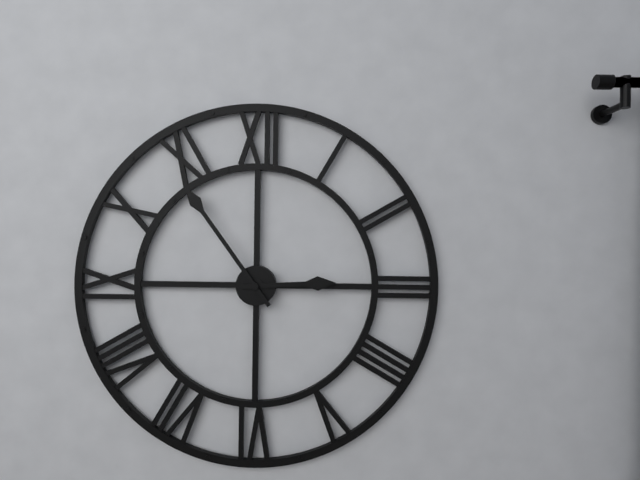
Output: 2.54
